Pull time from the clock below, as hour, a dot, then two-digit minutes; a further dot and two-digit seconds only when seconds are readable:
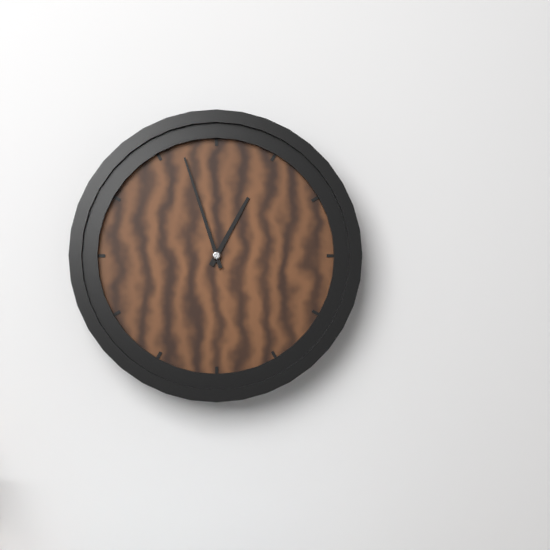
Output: 12.57
